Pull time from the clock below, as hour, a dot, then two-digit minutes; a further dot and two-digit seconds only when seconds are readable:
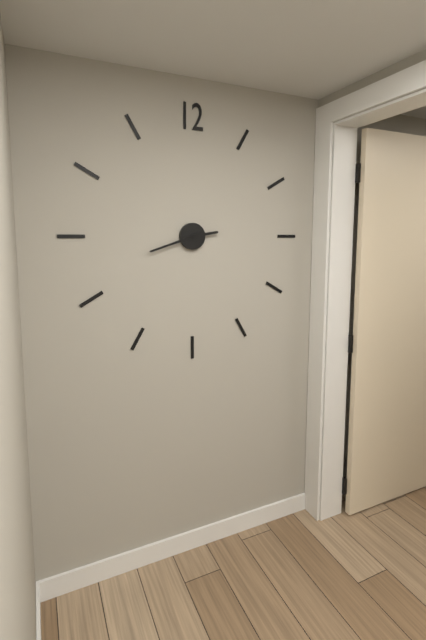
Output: 2.42
